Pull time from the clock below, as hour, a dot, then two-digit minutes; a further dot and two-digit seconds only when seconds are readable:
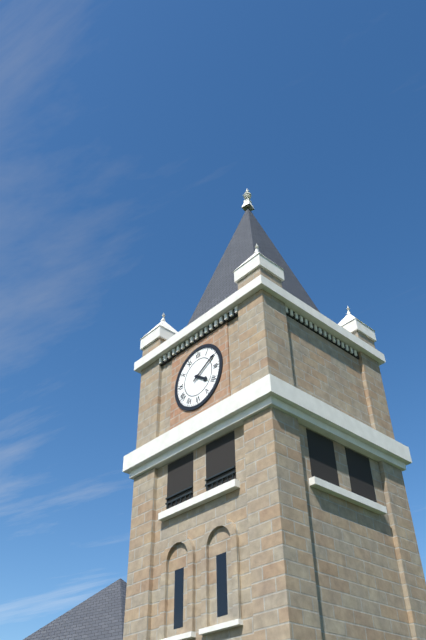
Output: 4.10
